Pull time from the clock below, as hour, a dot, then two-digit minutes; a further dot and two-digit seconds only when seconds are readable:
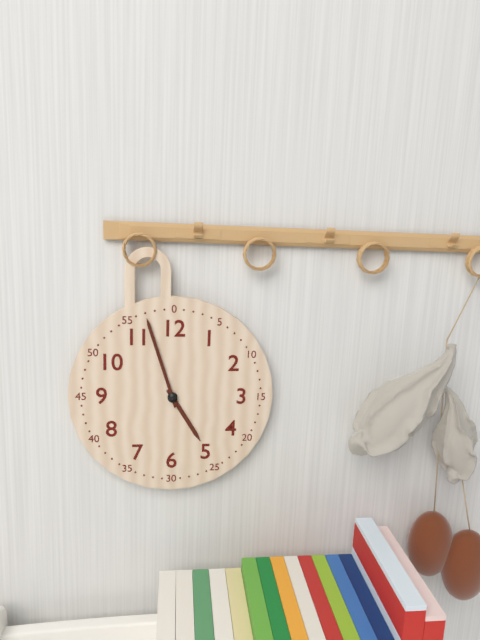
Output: 4.57
